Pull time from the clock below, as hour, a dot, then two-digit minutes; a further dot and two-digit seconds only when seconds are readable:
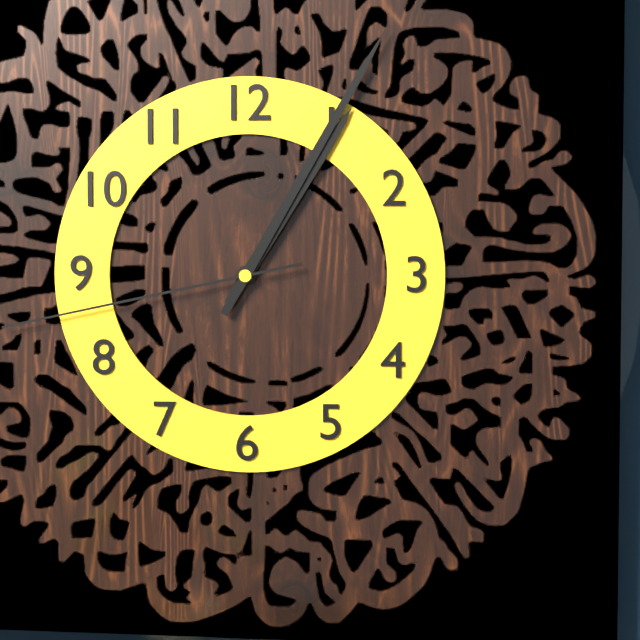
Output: 1.05.43
